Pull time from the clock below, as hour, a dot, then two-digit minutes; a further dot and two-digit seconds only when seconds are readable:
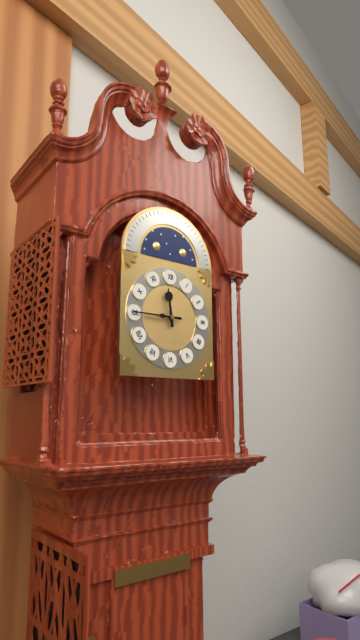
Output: 11.45
